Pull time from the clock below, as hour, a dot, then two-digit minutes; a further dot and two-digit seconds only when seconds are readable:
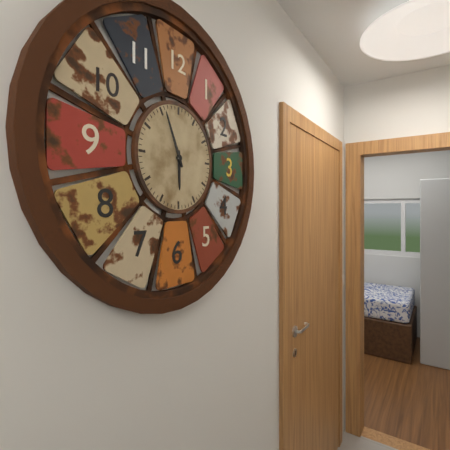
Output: 5.56
